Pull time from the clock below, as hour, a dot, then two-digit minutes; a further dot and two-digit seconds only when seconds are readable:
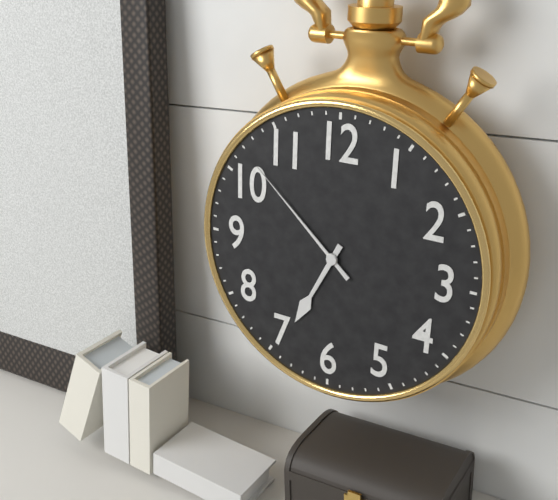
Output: 6.52
